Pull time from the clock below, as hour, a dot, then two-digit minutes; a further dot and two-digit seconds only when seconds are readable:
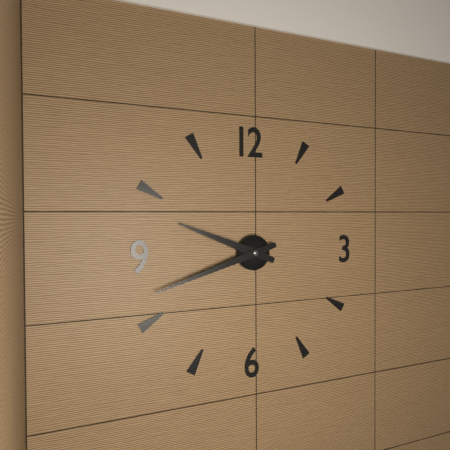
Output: 9.42
